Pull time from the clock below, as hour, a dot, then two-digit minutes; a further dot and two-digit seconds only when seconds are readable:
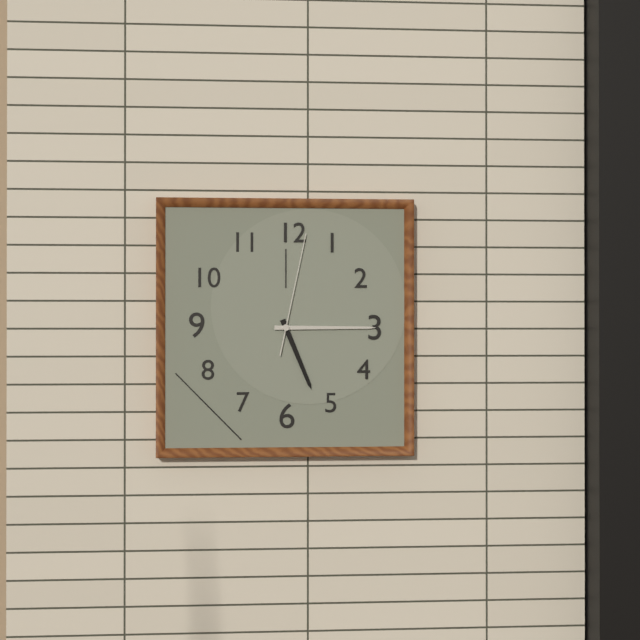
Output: 5.15.02
